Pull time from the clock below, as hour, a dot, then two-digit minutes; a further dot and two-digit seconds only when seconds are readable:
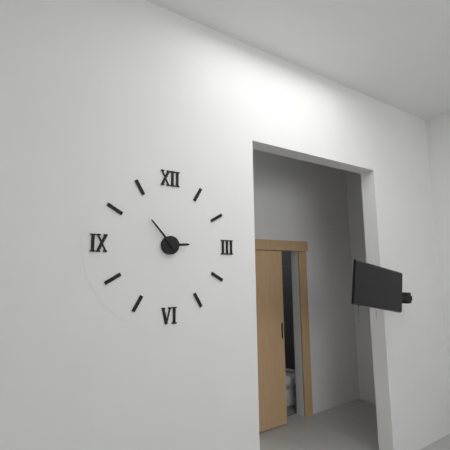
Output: 2.53
